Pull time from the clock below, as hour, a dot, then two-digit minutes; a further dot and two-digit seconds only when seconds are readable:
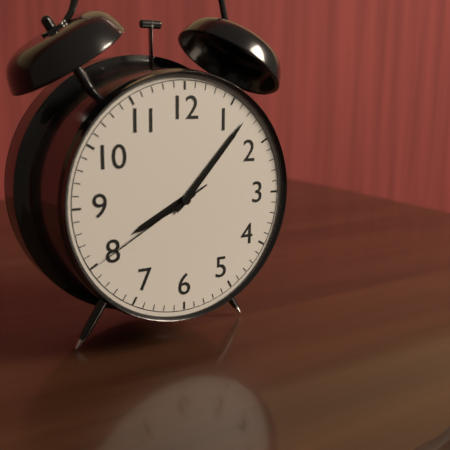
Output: 8.07.40
